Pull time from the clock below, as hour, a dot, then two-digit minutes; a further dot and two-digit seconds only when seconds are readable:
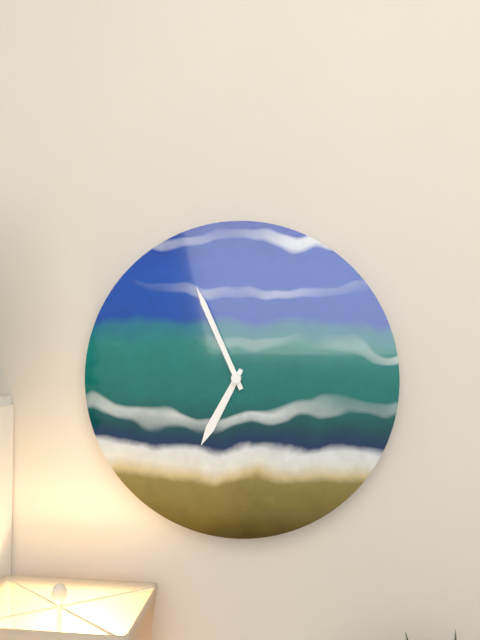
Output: 6.56
